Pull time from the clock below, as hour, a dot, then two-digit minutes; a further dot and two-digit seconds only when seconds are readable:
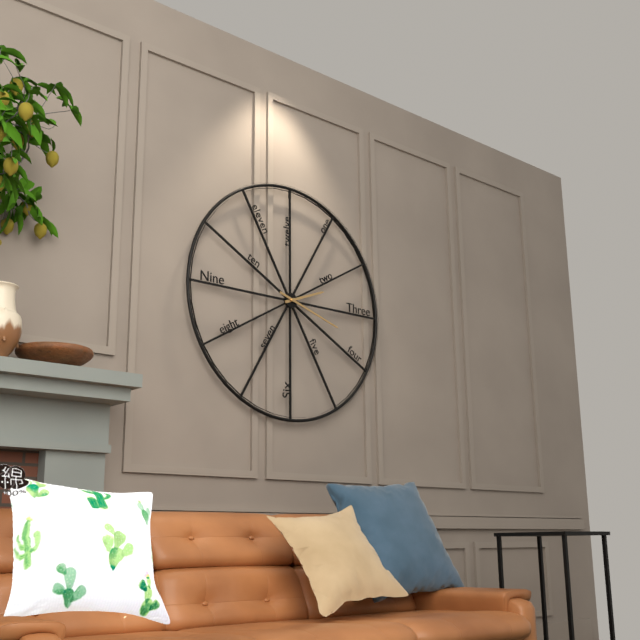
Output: 2.18
